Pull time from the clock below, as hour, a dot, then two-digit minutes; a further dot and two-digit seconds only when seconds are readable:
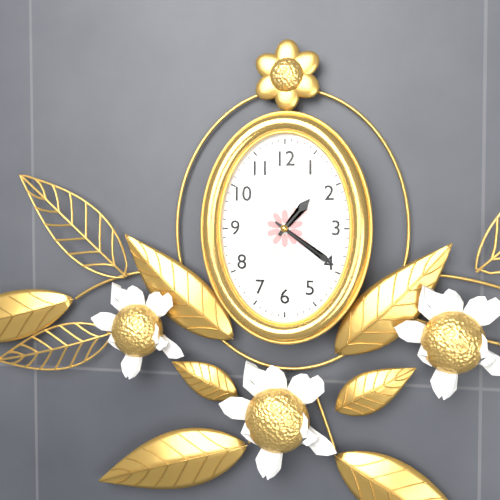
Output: 1.21
